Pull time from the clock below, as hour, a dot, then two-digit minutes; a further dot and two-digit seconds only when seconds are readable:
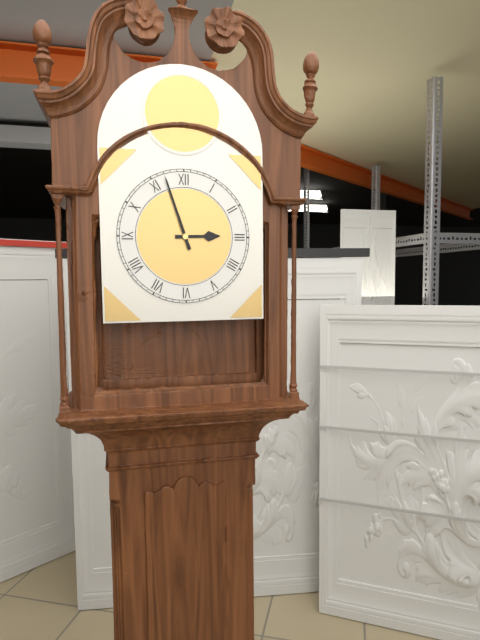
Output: 2.57
